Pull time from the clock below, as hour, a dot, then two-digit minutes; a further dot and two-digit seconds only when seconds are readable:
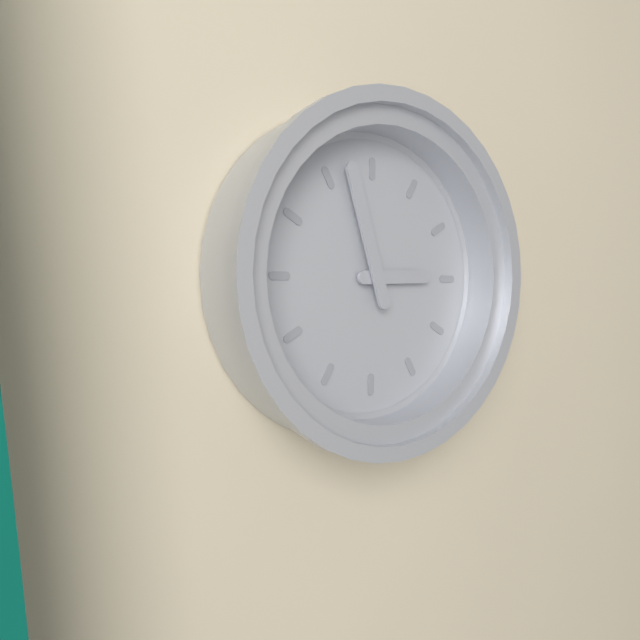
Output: 2.57
